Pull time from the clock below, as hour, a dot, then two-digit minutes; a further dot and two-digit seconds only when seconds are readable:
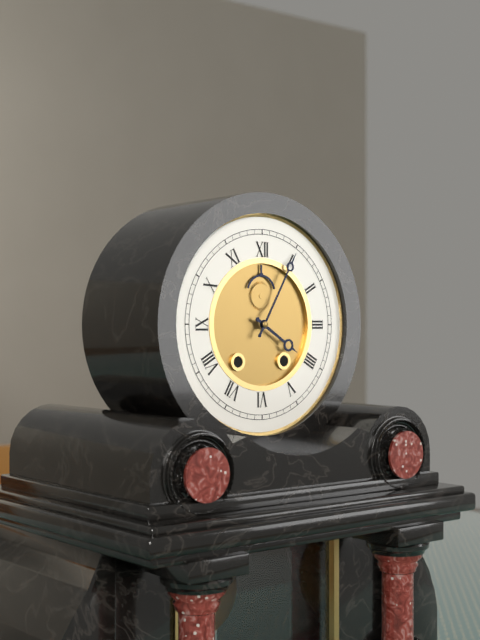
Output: 4.05
